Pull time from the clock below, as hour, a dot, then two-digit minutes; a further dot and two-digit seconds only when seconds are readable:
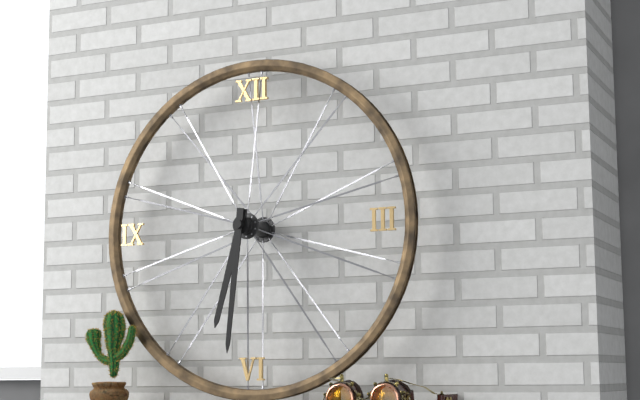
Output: 6.31
